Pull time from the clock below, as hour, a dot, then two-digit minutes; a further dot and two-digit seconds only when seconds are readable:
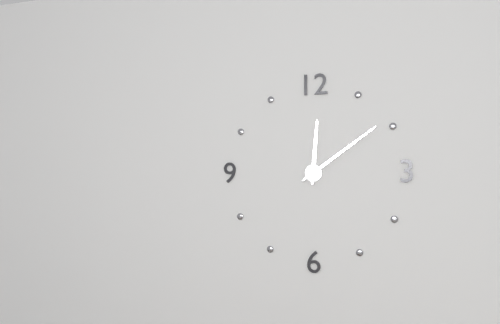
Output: 12.09
